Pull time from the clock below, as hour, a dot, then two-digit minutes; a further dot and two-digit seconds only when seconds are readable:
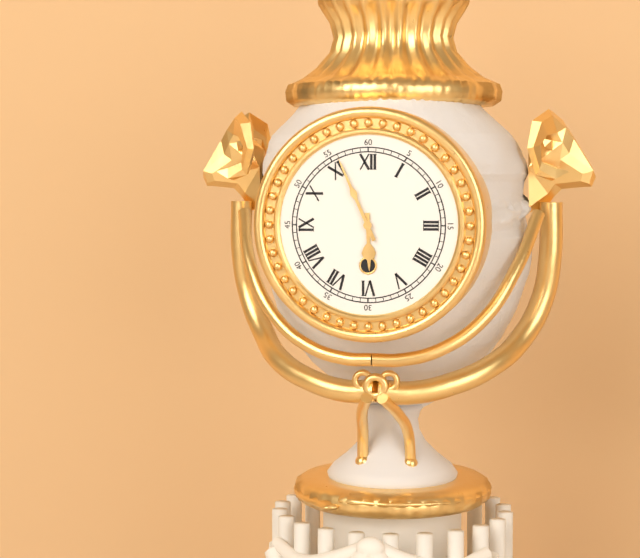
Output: 5.56
